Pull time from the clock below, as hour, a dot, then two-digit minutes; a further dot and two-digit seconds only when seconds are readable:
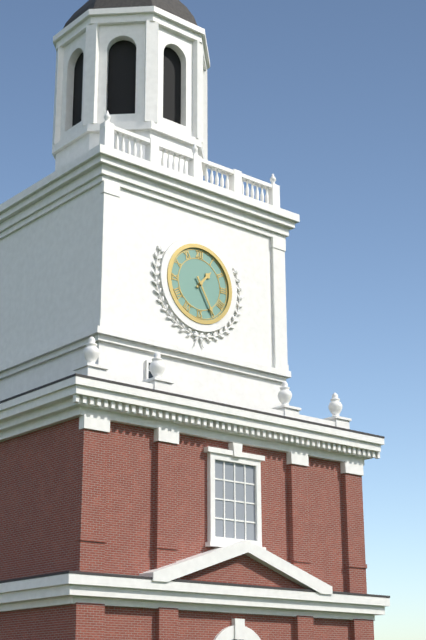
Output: 1.25
